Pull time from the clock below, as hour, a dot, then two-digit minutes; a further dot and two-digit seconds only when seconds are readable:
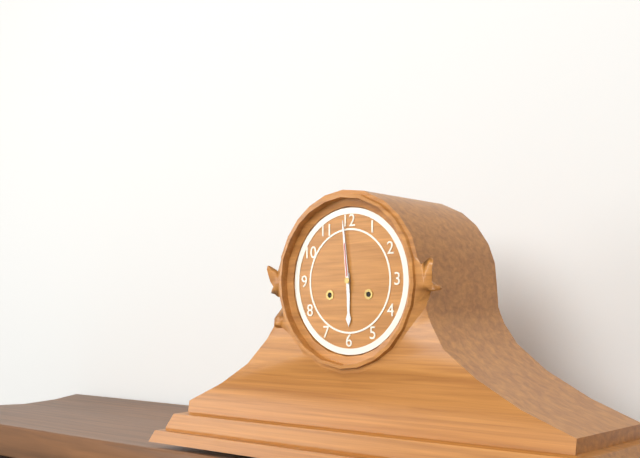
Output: 5.59
